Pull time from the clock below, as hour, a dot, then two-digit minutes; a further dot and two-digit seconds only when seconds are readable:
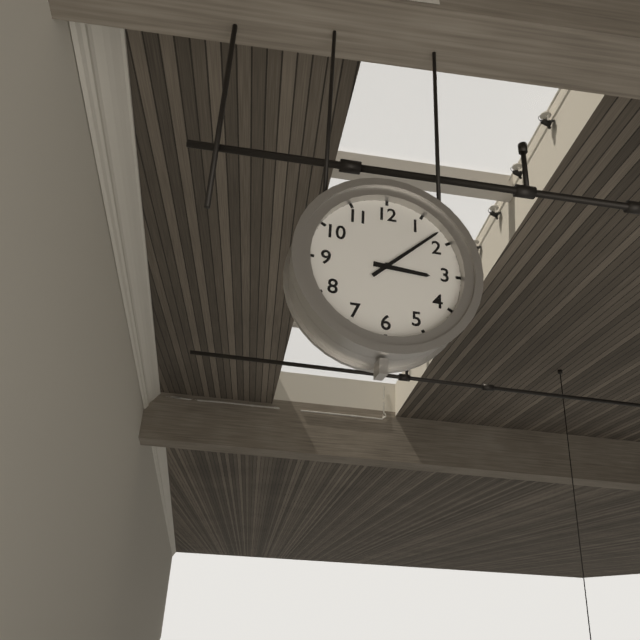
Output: 3.08
